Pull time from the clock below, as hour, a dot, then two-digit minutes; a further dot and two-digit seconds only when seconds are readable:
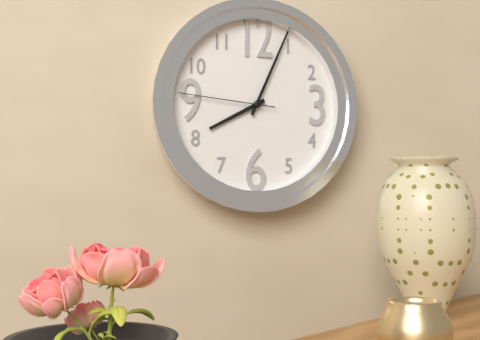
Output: 8.04.46
